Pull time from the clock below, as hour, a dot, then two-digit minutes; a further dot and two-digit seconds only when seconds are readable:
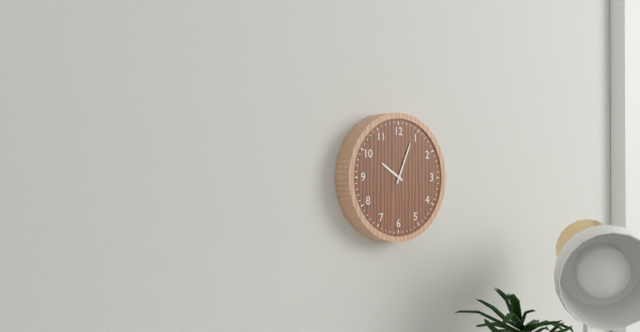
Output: 10.04
